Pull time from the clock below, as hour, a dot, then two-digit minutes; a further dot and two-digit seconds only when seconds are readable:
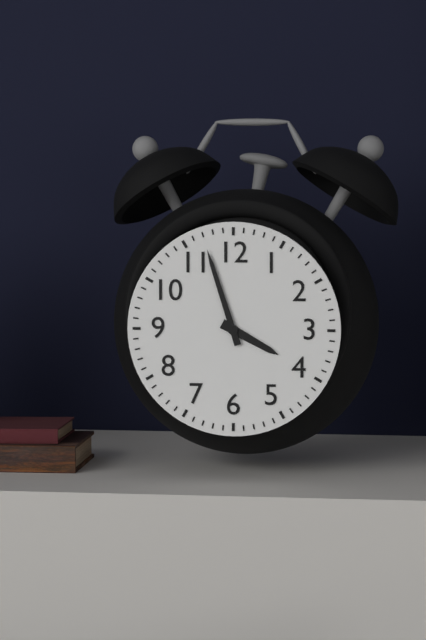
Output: 3.57
